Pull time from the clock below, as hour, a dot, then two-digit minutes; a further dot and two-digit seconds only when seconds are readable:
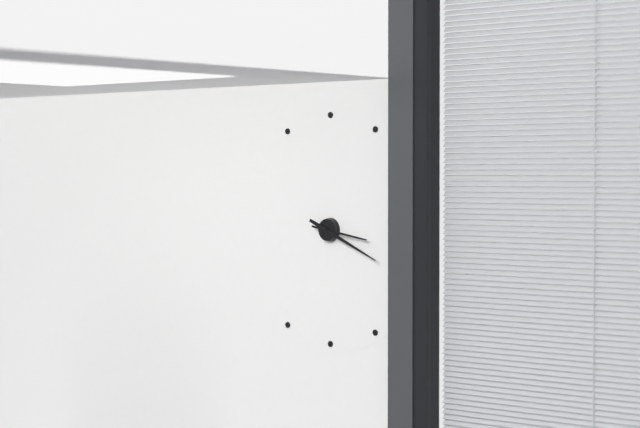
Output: 3.19
